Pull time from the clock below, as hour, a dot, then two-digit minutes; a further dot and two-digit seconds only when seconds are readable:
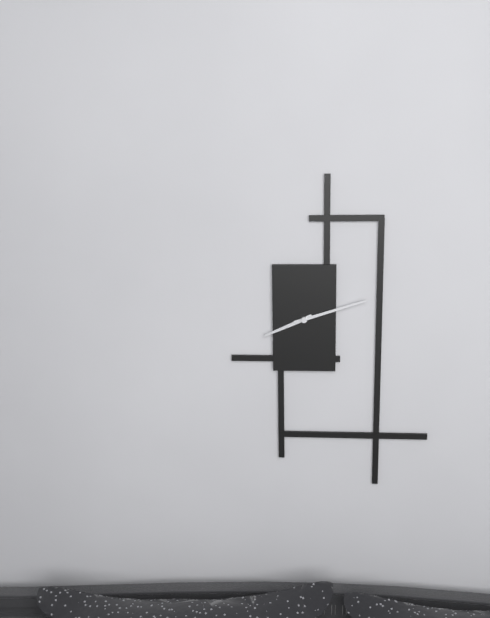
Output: 8.12
